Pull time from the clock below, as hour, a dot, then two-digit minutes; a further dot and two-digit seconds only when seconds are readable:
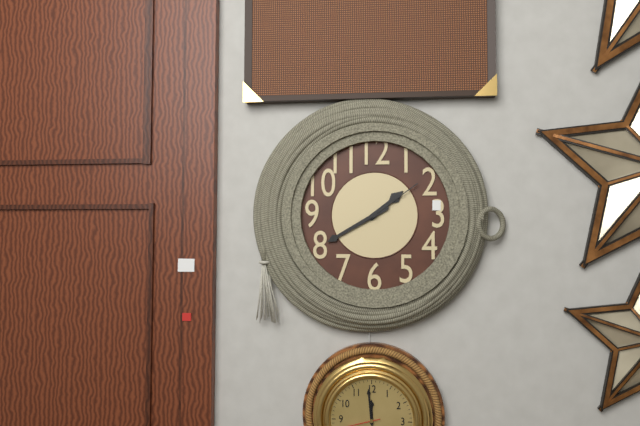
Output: 1.40.09
